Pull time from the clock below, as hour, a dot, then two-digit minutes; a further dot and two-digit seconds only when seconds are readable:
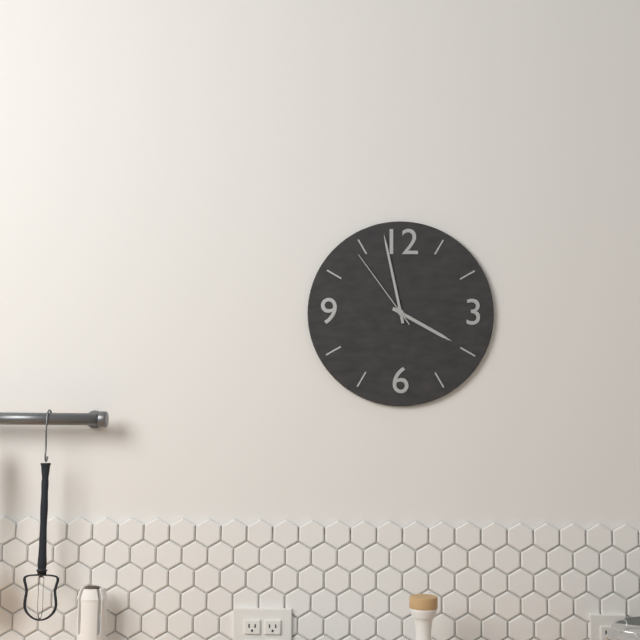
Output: 3.58.54
